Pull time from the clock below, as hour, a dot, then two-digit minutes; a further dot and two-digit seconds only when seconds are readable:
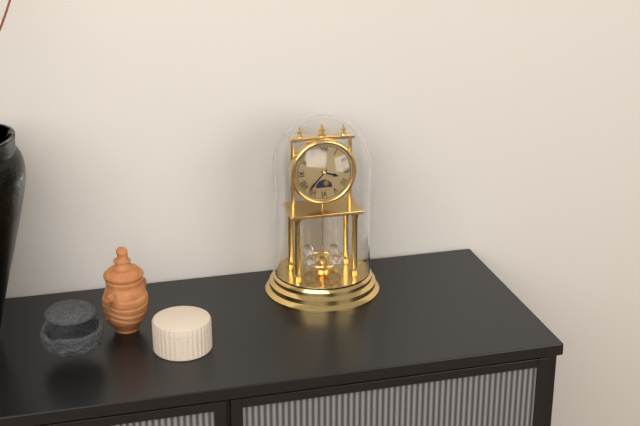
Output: 3.37
